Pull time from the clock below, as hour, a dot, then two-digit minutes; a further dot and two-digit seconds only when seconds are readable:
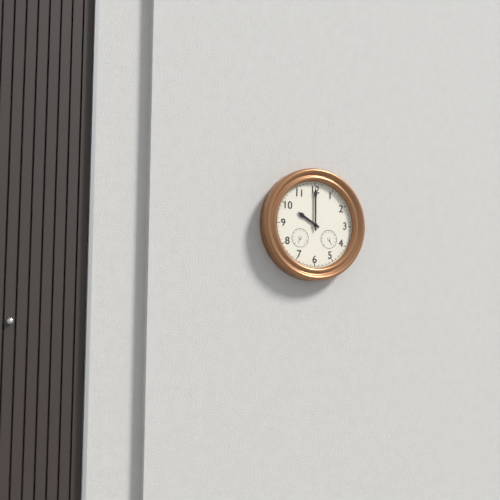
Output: 10.00
